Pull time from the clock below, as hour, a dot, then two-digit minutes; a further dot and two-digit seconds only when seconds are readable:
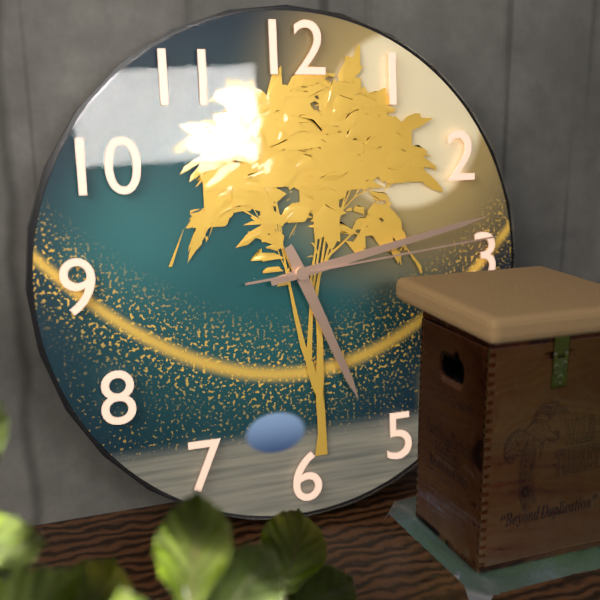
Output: 5.13.14
